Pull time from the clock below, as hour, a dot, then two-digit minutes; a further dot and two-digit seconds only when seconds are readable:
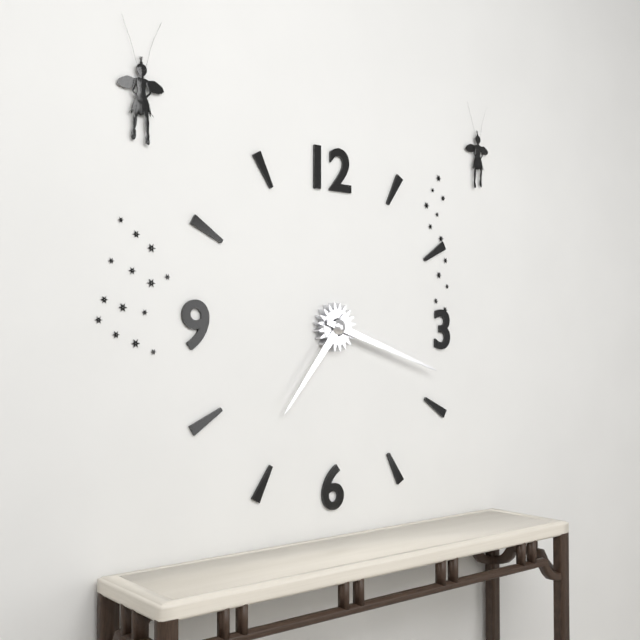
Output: 7.18
